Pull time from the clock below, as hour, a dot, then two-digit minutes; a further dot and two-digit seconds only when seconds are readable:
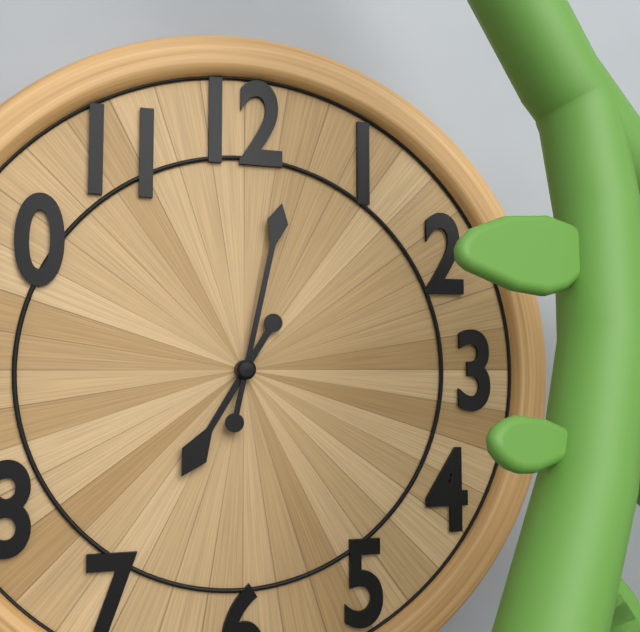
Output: 7.02
